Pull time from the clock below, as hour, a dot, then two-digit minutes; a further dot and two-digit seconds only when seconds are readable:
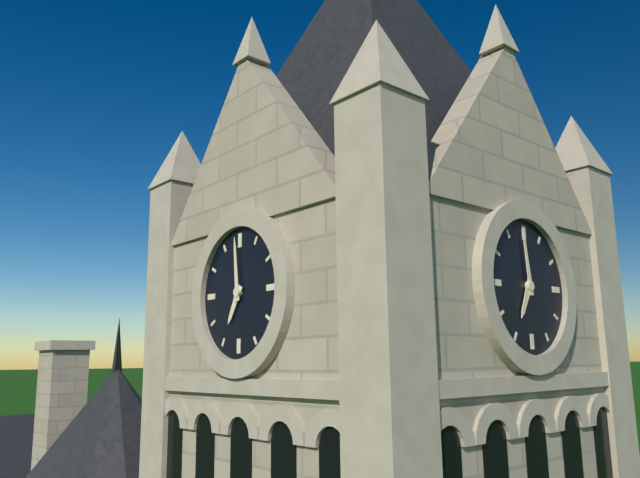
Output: 6.59
